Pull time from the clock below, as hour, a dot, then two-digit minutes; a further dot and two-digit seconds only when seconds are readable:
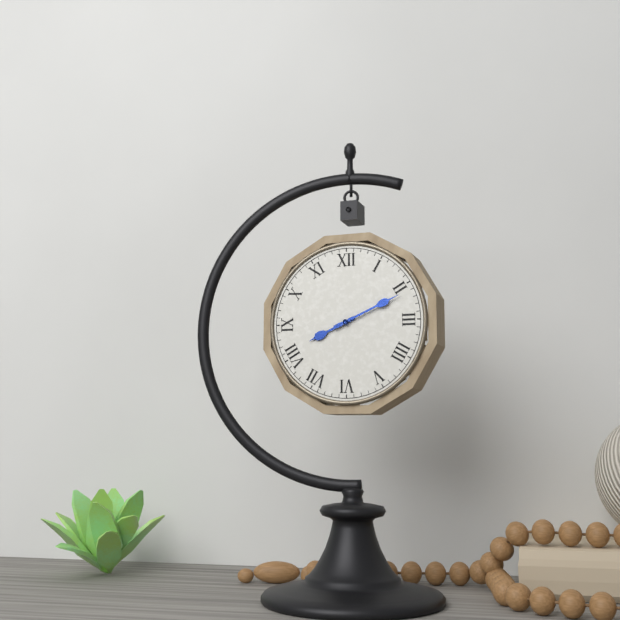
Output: 8.11
